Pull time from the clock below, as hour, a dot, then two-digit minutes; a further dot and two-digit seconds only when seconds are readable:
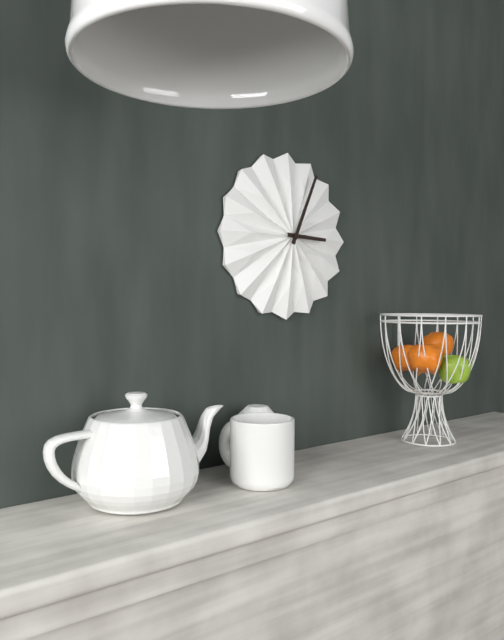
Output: 3.04
